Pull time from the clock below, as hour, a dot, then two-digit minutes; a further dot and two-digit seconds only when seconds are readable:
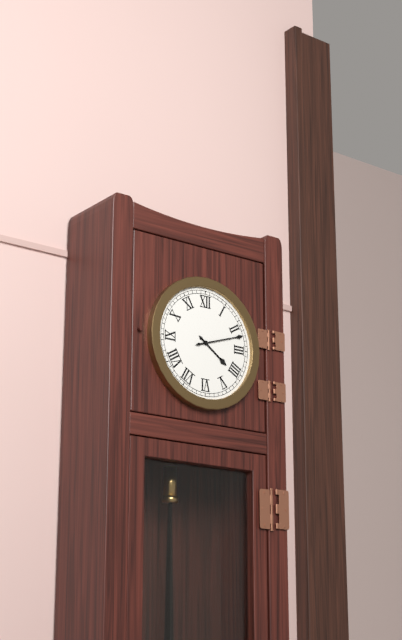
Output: 4.12
